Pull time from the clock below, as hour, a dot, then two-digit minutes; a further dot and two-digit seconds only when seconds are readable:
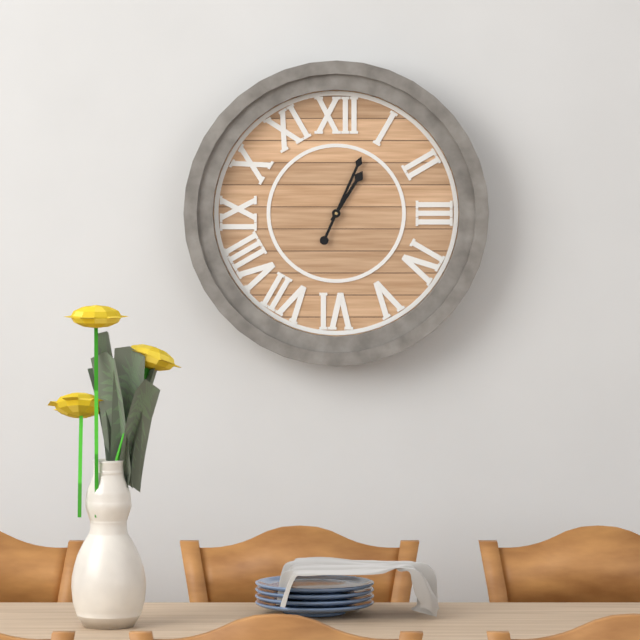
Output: 1.04
